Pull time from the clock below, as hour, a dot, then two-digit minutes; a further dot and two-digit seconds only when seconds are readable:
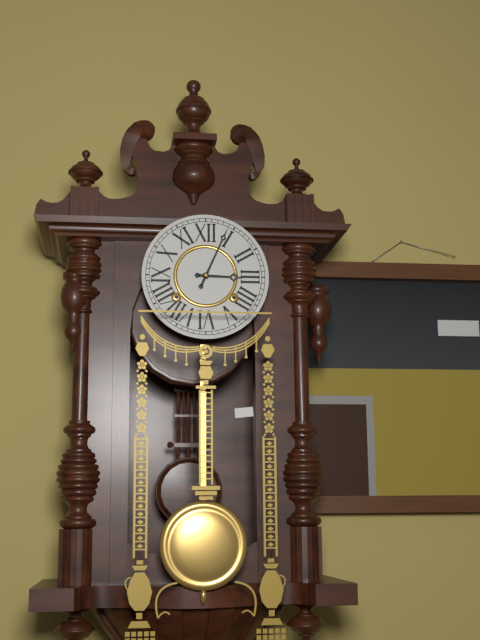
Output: 3.04
